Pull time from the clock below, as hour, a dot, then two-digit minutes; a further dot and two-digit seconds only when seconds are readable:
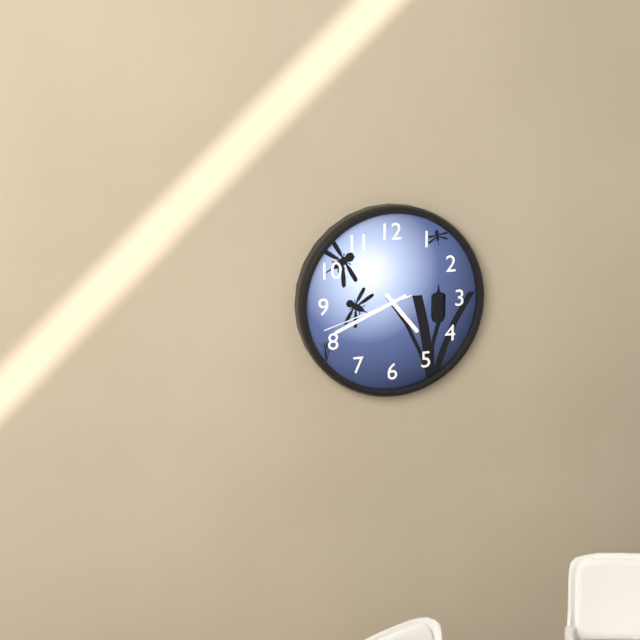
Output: 4.41.42
